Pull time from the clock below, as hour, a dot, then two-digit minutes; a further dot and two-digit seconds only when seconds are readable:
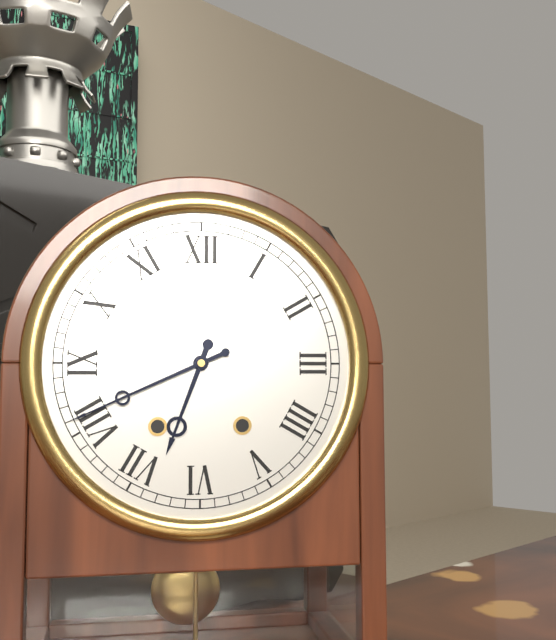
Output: 6.41
